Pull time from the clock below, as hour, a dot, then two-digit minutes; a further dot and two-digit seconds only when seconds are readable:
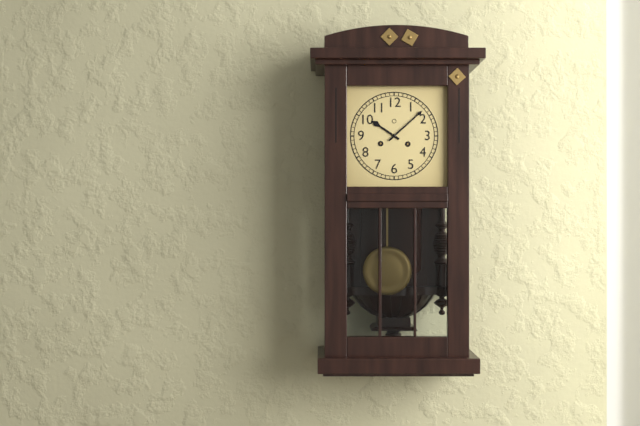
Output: 10.08
